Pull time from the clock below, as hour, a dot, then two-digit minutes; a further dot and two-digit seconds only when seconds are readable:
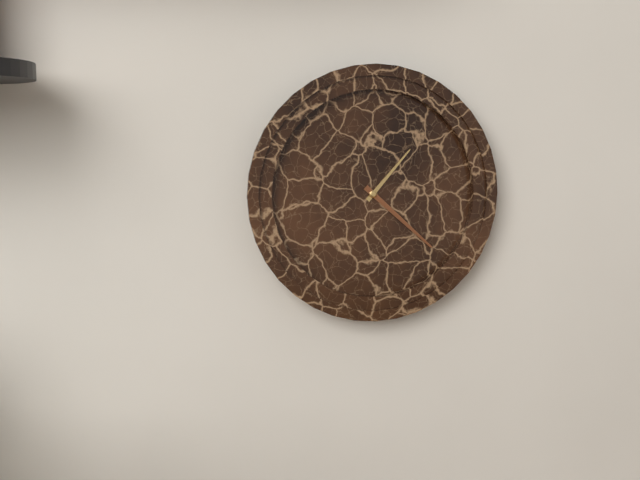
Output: 1.22
